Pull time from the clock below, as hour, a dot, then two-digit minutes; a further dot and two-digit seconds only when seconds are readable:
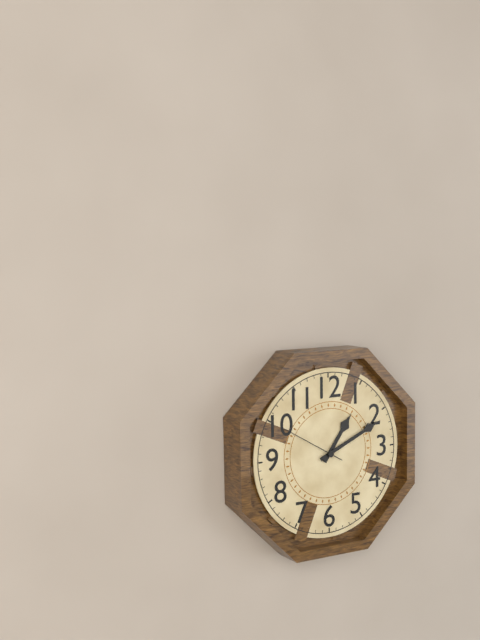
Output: 1.11.50
